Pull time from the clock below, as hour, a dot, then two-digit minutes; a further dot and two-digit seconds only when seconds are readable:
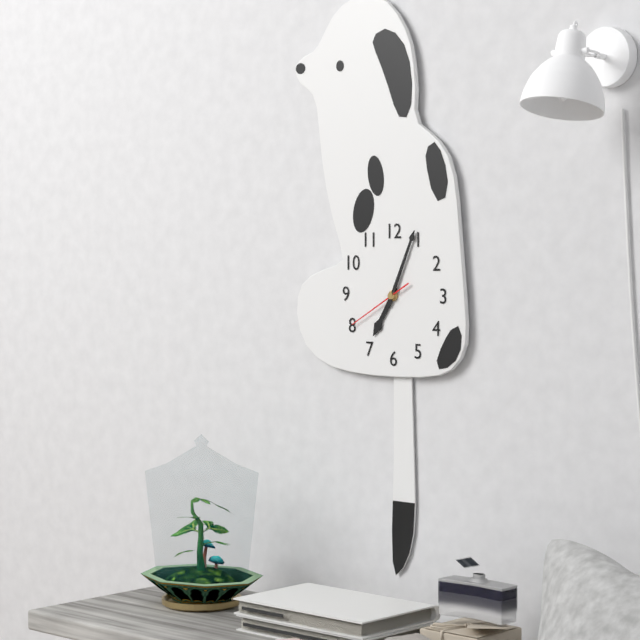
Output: 7.04.40
